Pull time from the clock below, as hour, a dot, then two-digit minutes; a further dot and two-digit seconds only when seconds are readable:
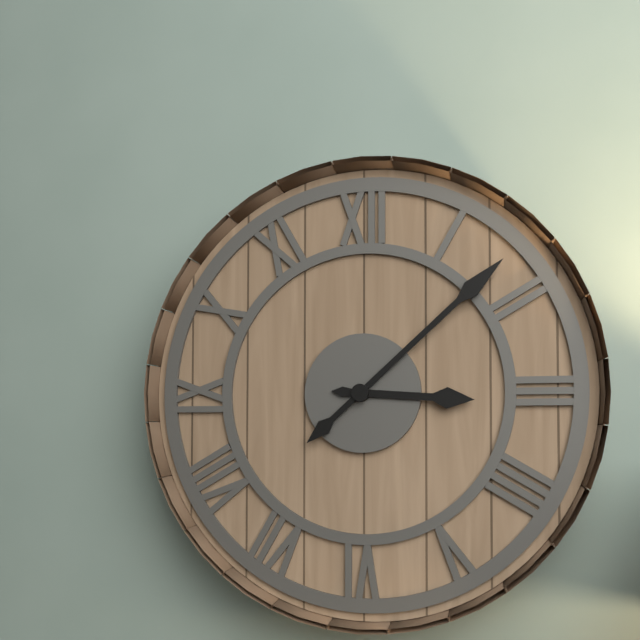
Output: 3.08
